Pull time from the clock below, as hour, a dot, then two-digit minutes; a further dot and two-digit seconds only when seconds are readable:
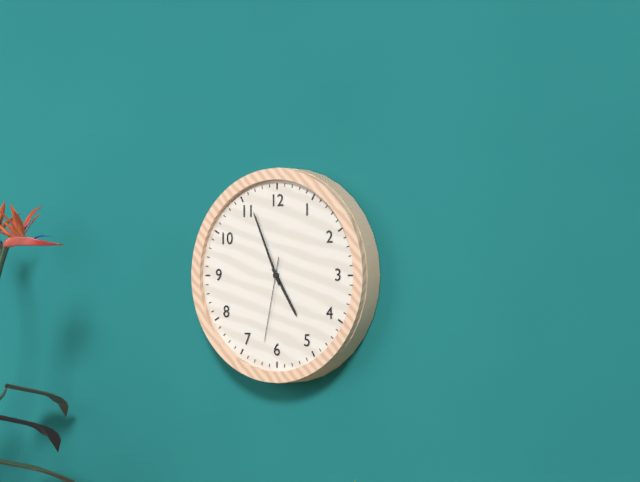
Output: 4.56.32
